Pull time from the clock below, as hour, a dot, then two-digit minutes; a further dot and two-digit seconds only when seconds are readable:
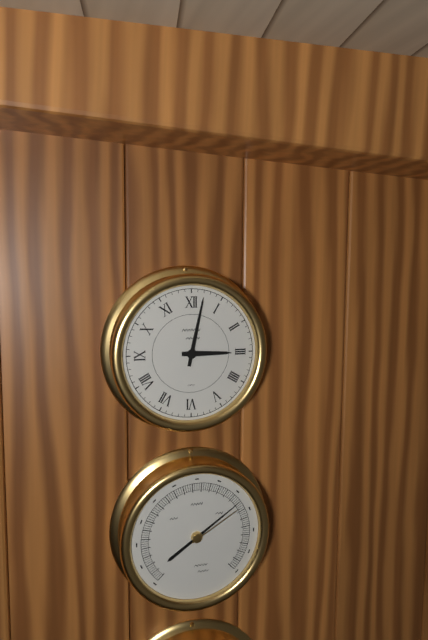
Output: 3.02
